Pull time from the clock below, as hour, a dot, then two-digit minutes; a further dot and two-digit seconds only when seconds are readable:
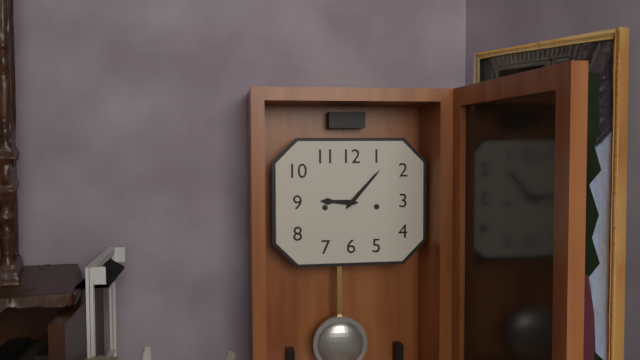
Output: 9.07
